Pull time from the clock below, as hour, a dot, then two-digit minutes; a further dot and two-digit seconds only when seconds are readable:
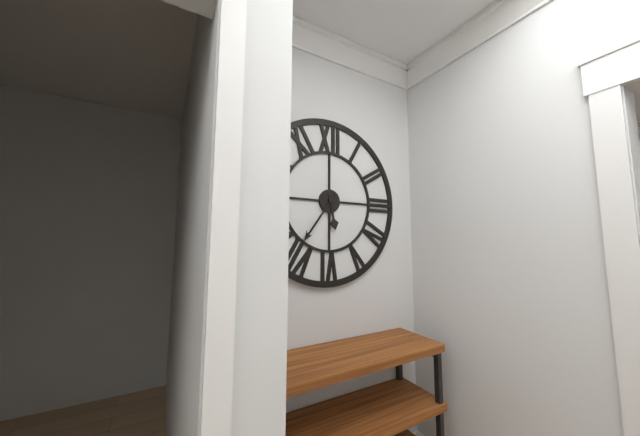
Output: 5.36
